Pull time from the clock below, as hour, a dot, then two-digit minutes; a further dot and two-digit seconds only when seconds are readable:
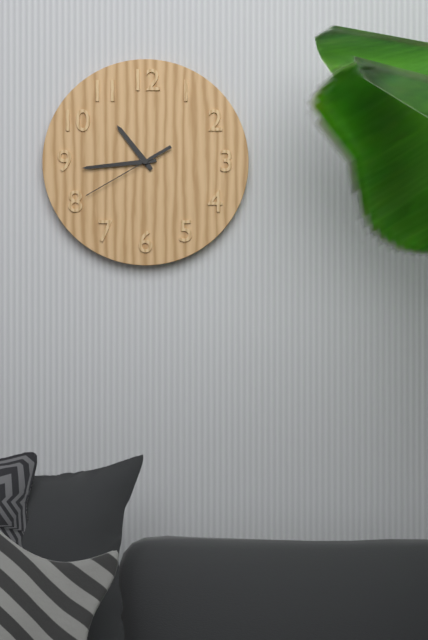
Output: 10.44.40
